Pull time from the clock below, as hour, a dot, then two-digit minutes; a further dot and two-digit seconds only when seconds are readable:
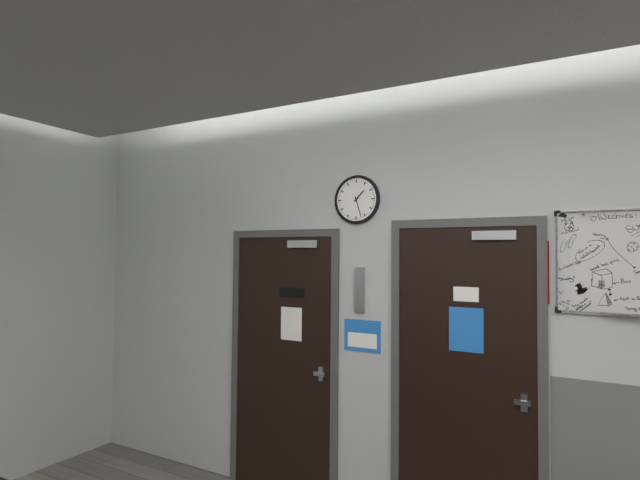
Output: 1.27
